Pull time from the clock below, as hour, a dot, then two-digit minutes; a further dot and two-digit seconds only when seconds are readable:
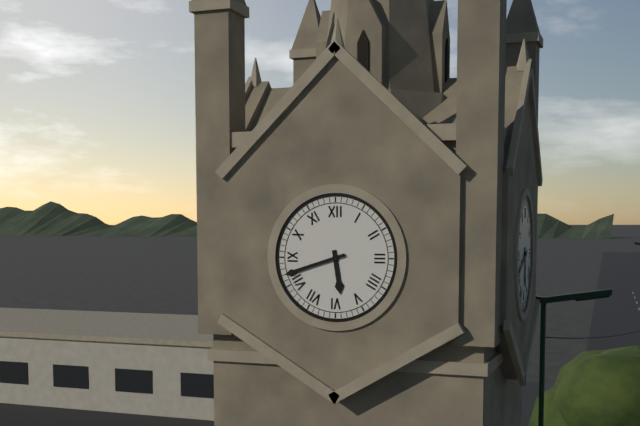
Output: 5.42
